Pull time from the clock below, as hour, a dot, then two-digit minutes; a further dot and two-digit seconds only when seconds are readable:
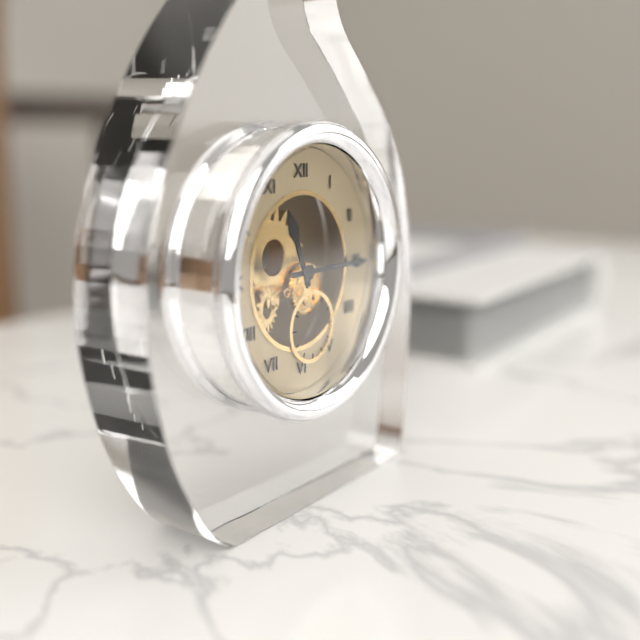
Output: 11.15
